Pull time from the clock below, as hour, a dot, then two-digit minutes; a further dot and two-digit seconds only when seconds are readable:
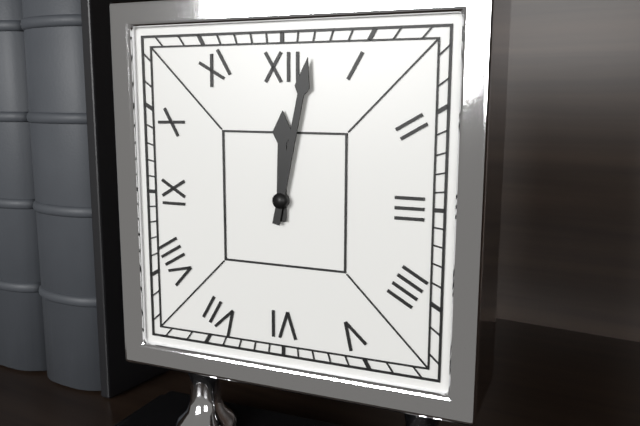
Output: 12.02
